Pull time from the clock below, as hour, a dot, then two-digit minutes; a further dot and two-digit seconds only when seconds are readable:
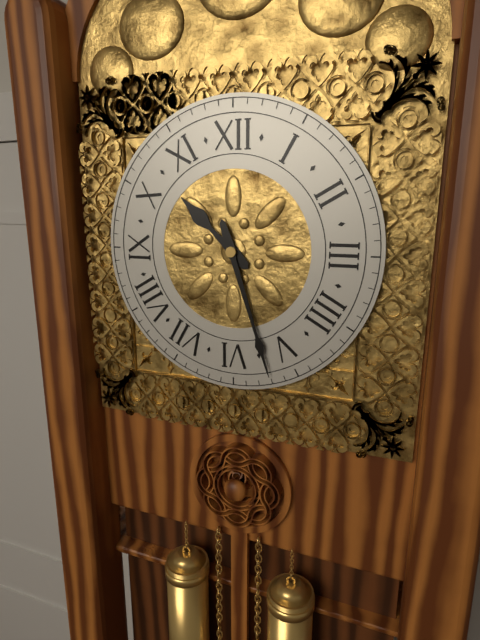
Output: 10.27
